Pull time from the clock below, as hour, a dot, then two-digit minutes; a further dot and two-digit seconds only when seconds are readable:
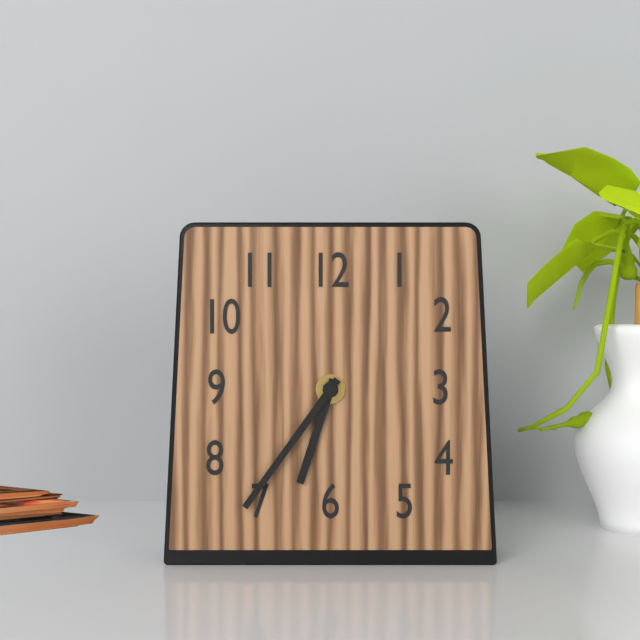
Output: 6.36
